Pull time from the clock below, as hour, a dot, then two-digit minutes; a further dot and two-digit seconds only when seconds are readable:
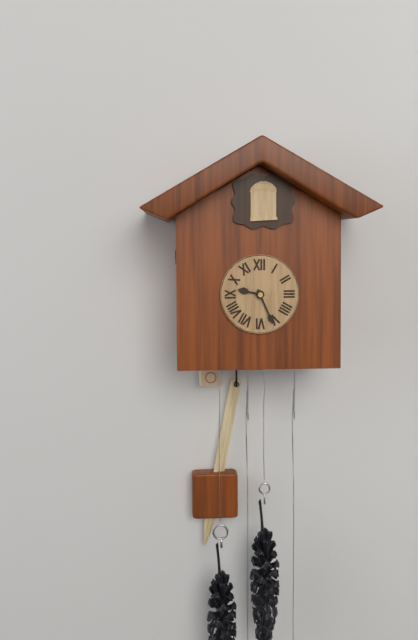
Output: 9.26
